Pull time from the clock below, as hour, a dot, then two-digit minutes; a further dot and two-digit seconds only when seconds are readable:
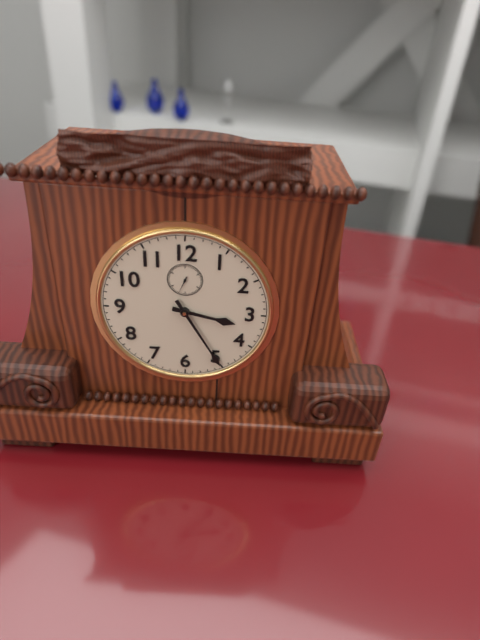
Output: 3.25
